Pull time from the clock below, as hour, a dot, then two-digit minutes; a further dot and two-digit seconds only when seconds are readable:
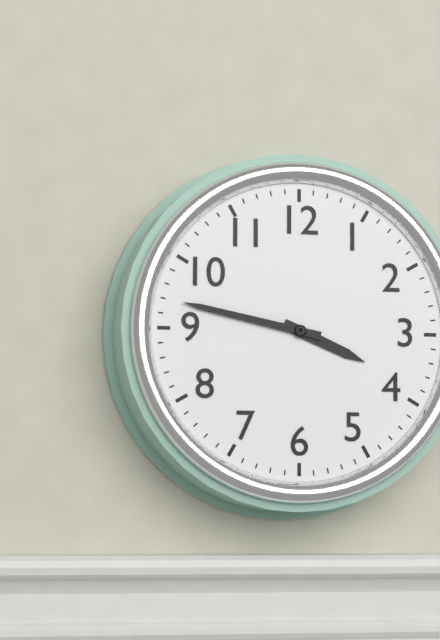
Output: 3.47
